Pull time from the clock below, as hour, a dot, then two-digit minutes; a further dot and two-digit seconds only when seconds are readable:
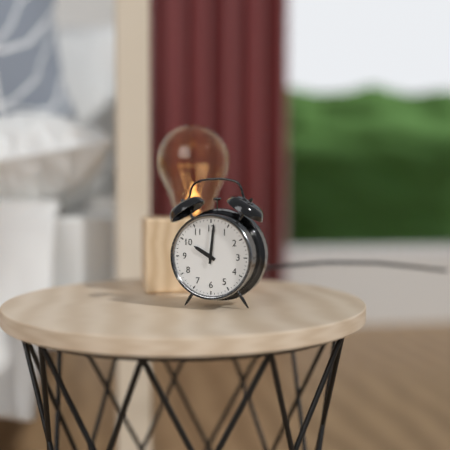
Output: 10.01
